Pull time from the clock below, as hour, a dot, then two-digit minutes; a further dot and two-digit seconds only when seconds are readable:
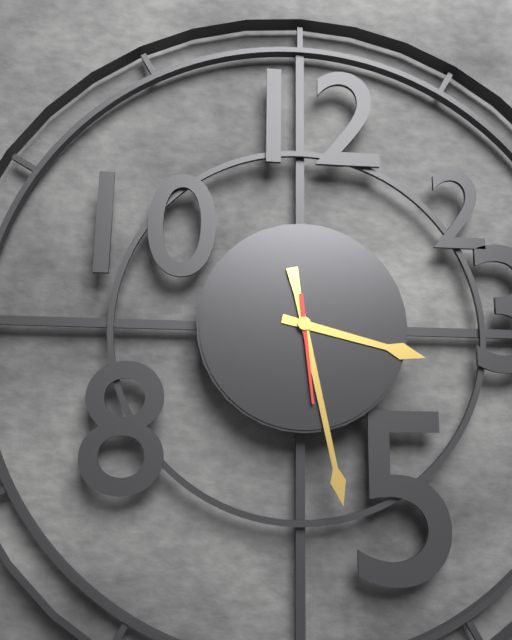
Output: 3.28.29
